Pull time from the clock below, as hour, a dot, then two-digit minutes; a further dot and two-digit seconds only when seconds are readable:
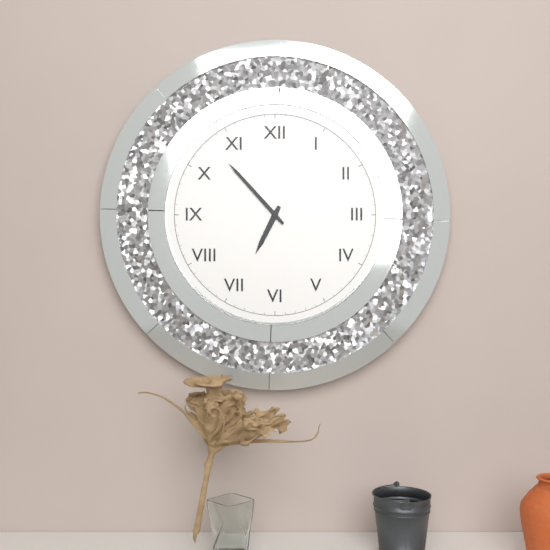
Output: 6.53
